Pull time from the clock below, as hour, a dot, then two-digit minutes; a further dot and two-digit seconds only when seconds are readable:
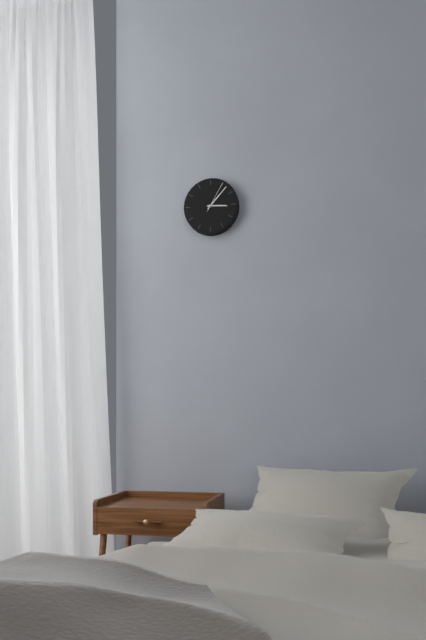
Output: 3.07
